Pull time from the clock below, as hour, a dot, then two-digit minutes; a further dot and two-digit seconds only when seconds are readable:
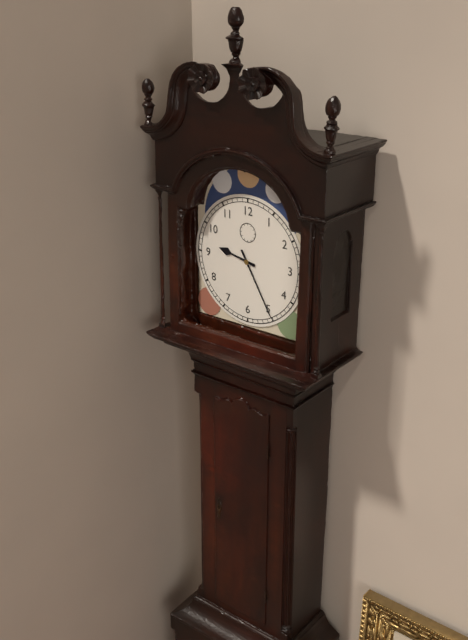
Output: 9.25
